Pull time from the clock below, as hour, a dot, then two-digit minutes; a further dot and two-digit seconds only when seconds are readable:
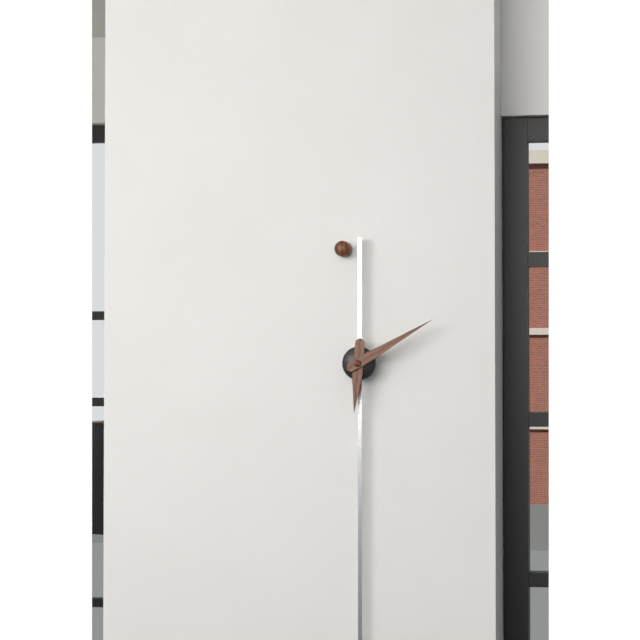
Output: 6.10
